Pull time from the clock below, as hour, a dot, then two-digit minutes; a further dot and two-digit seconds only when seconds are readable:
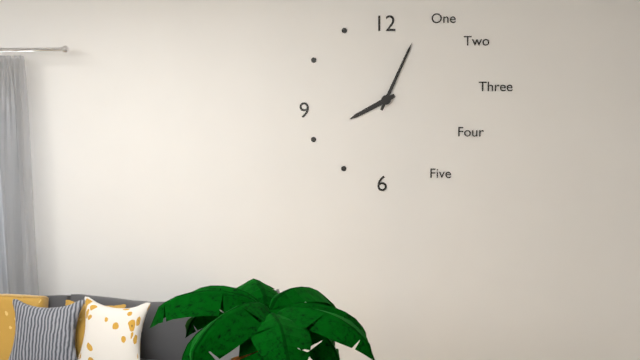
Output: 8.04
